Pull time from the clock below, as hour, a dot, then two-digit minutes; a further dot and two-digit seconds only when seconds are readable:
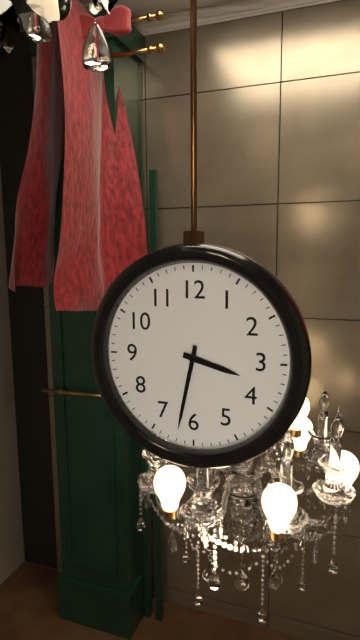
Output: 3.32
